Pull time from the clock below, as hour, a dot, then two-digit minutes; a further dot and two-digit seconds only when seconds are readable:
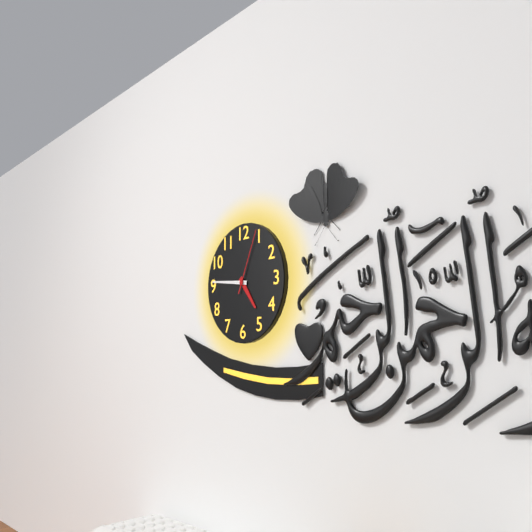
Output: 4.46.04
